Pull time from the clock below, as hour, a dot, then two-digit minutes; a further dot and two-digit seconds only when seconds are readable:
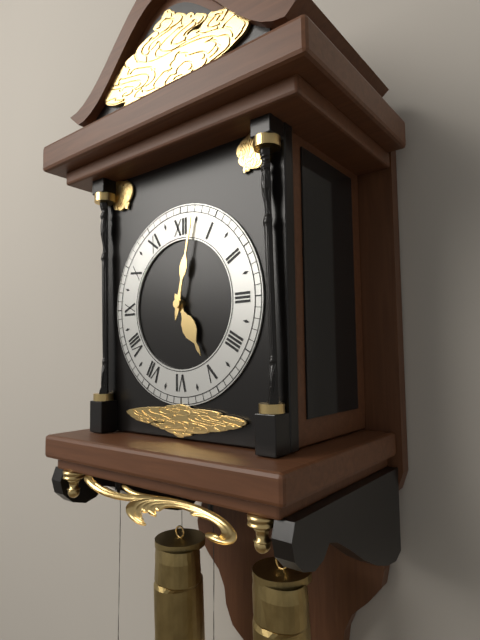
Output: 5.02
